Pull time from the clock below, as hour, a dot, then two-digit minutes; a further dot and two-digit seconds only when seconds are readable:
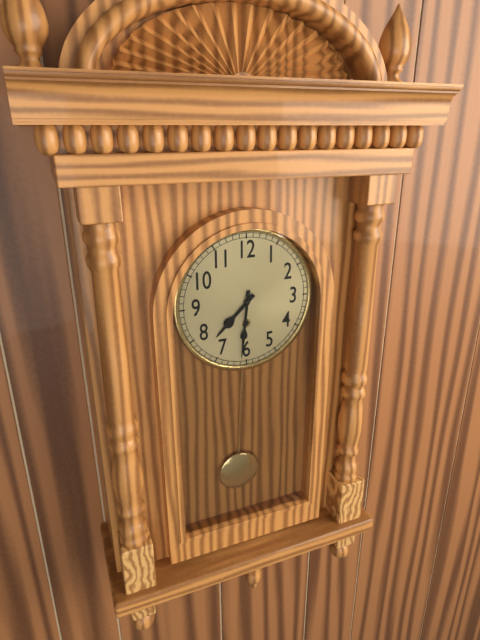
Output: 7.31
